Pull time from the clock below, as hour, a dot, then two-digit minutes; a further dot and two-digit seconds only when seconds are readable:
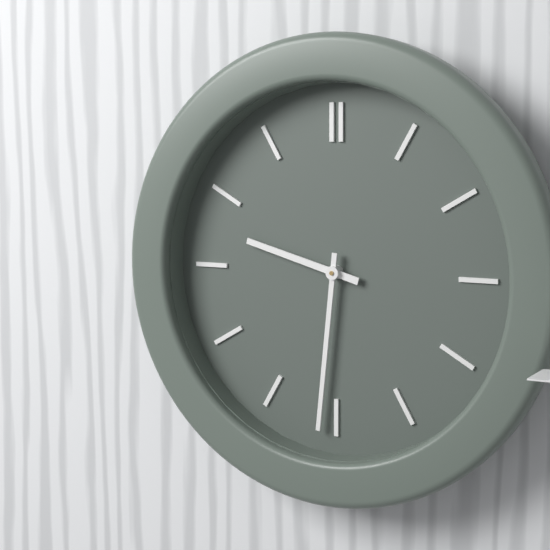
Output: 9.31
